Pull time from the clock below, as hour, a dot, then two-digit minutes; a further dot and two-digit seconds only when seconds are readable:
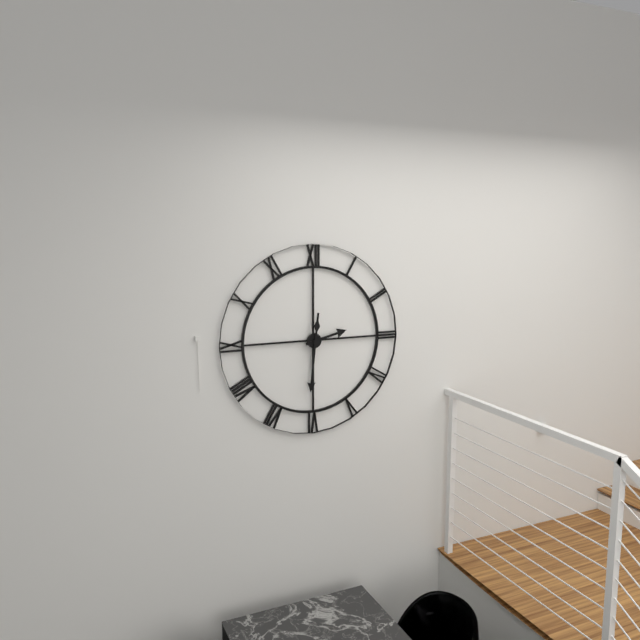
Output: 2.31
